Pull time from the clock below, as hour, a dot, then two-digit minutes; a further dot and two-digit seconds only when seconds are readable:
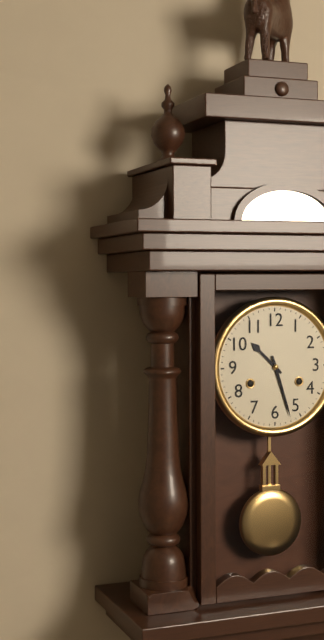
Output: 10.27
